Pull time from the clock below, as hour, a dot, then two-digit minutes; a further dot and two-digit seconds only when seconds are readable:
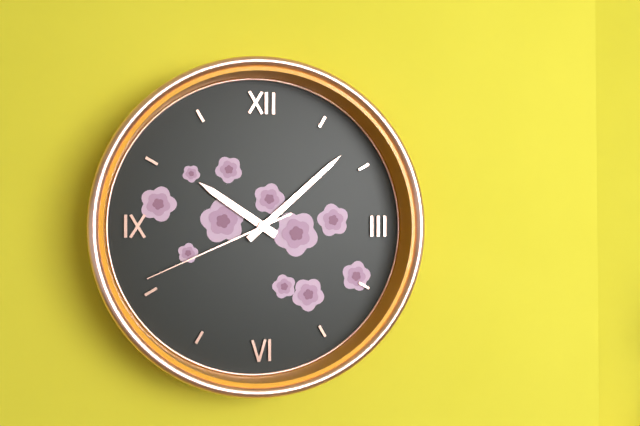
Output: 10.08.41
